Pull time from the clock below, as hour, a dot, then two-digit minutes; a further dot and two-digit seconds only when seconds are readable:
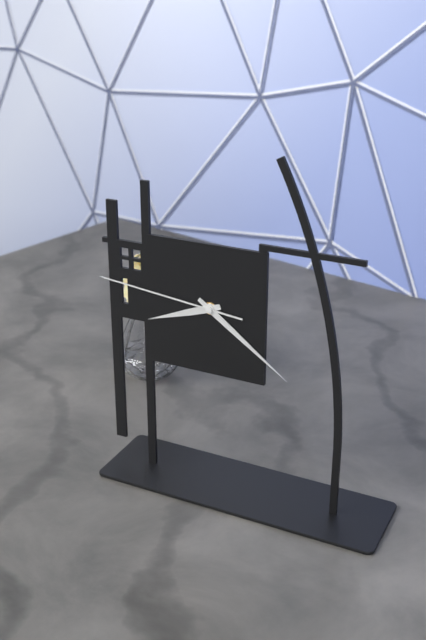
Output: 8.21.46
